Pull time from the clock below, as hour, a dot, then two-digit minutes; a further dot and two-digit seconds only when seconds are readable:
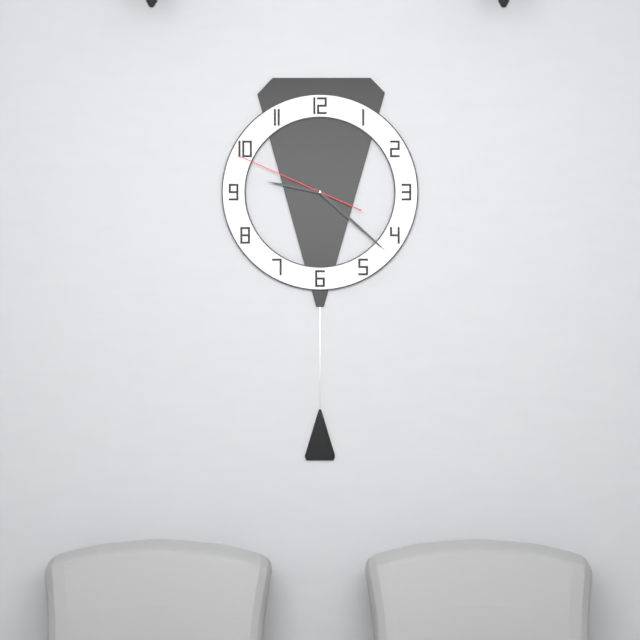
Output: 9.22.49
